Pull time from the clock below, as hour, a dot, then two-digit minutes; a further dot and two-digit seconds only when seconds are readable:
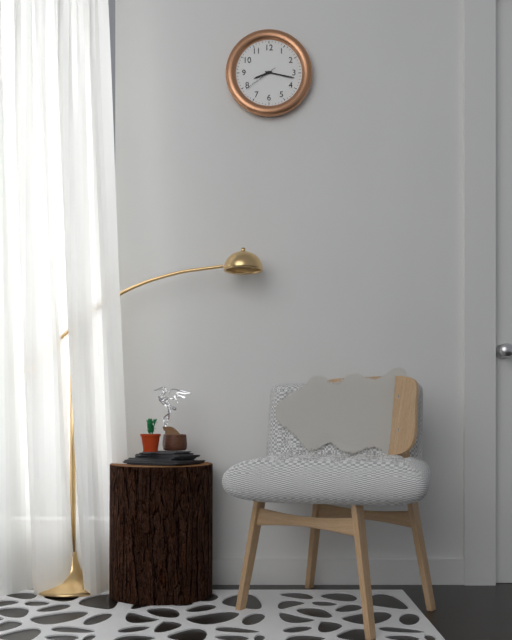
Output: 8.17
